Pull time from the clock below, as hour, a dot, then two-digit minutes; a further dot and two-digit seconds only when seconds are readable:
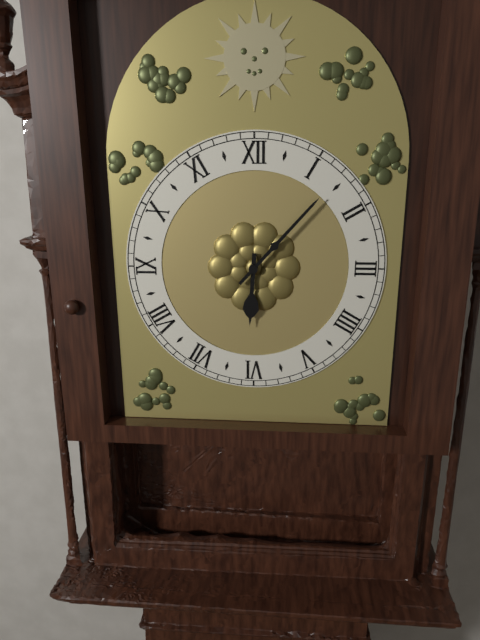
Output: 6.07
